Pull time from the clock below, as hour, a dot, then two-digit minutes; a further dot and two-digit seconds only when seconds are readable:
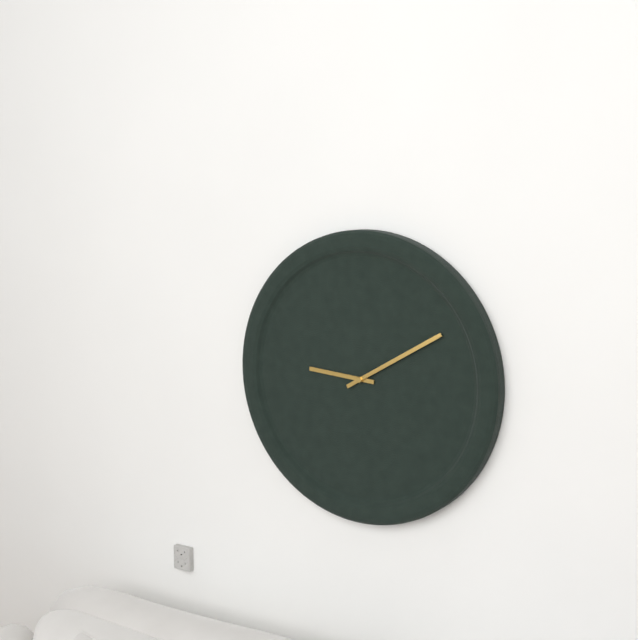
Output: 9.10
